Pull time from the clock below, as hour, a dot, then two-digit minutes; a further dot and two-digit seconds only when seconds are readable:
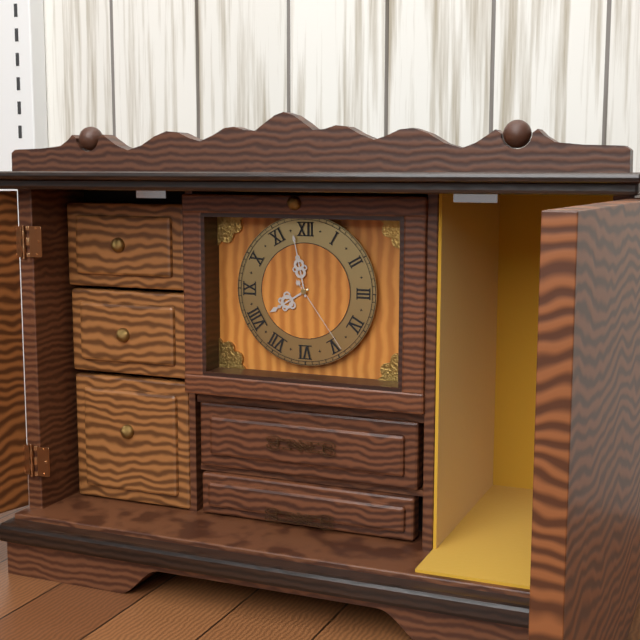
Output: 7.58.24
